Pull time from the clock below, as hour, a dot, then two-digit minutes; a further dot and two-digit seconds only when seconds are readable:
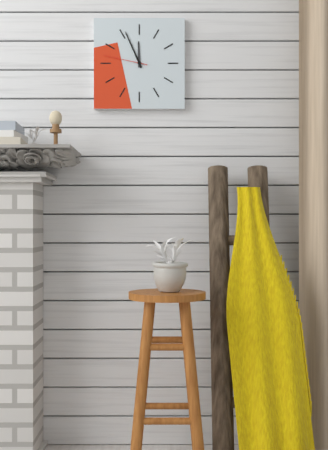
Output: 11.56
